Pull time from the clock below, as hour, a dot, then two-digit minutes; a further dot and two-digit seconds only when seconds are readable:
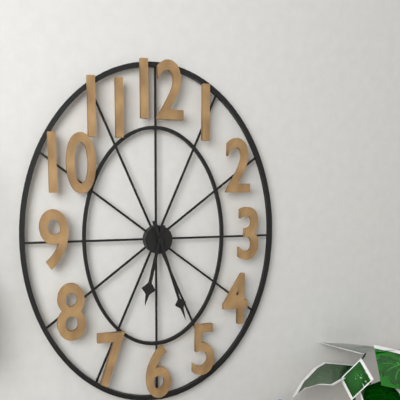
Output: 6.27
